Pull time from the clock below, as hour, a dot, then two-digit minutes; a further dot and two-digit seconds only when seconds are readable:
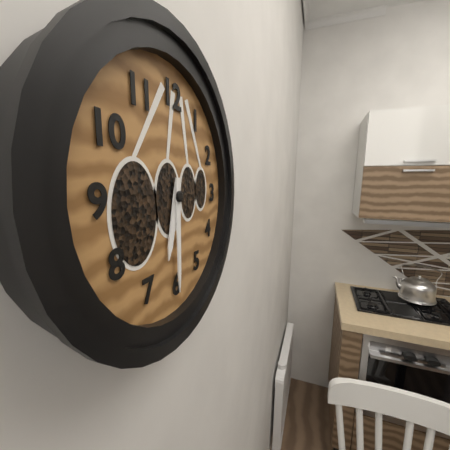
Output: 6.30
